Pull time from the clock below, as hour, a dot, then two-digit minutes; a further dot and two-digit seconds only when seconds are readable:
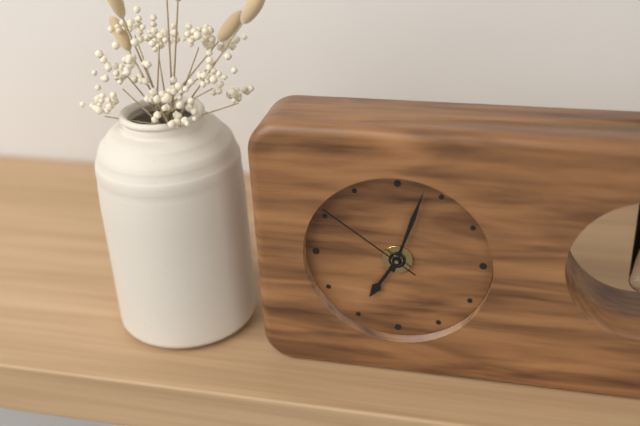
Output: 7.03.51
